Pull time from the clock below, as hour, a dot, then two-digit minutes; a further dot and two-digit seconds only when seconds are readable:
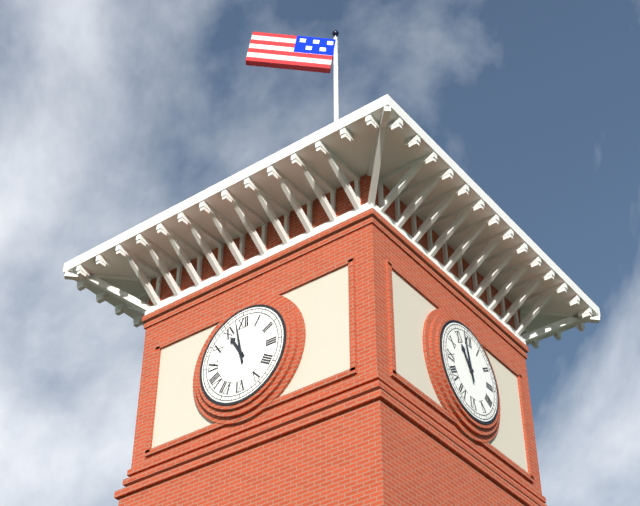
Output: 10.58
